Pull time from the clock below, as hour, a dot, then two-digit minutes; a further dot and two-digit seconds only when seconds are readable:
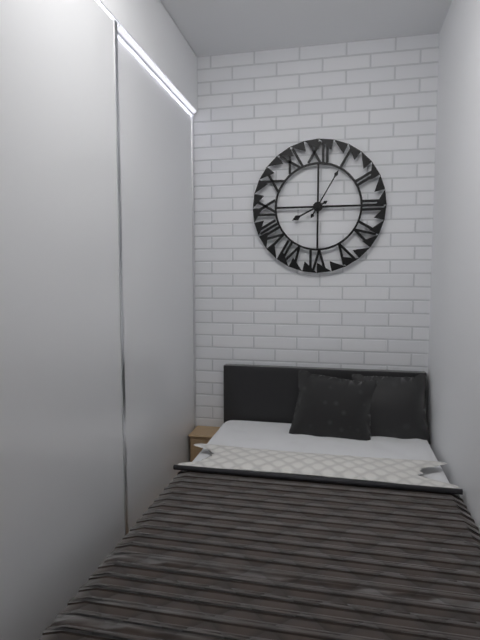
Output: 8.05
